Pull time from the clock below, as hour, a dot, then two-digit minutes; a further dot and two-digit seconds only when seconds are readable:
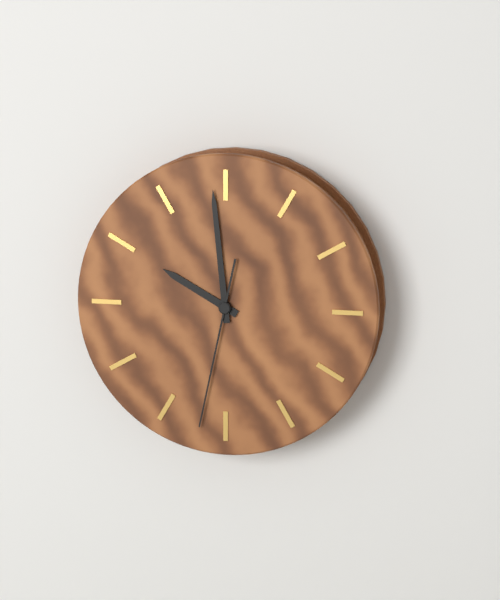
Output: 9.59.32
